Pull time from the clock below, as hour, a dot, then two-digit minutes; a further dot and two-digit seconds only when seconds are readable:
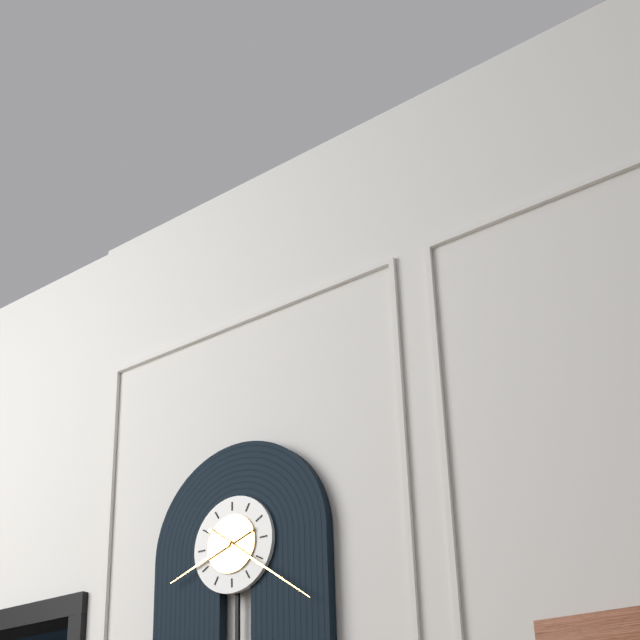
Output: 8.21
